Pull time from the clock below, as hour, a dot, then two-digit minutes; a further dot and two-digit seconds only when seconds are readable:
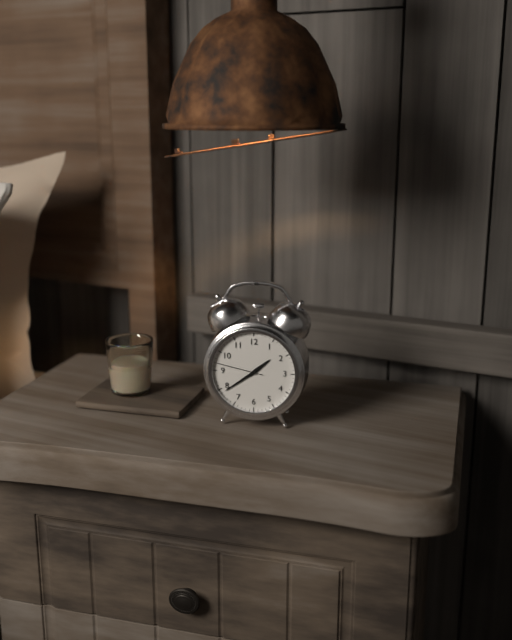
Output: 1.39
